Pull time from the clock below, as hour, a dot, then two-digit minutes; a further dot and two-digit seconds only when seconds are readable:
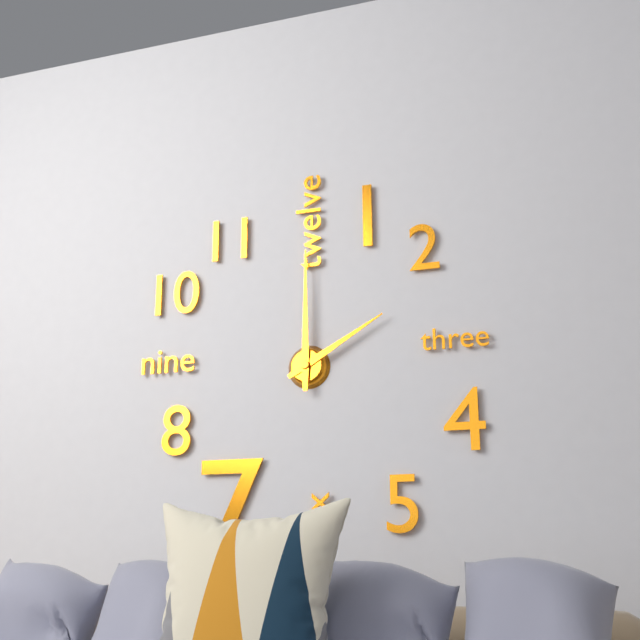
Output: 2.00
